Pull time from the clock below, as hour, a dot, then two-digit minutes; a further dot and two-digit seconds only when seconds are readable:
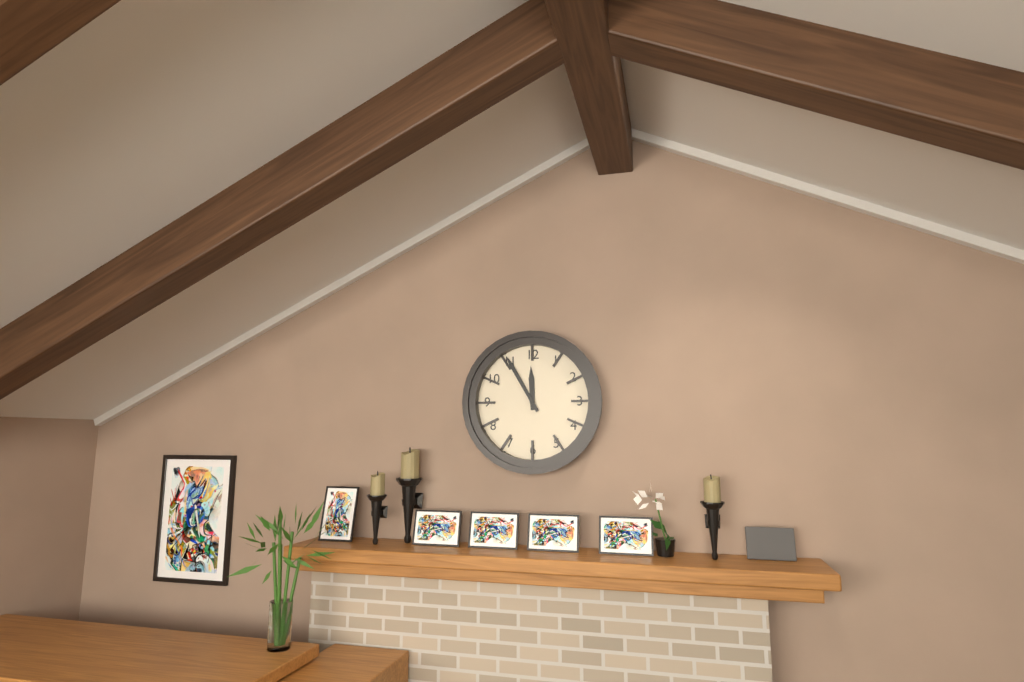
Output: 11.55
